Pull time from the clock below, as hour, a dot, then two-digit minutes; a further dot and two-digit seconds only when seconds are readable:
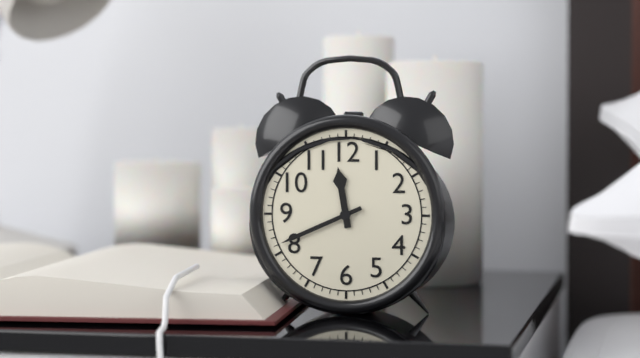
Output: 11.41
